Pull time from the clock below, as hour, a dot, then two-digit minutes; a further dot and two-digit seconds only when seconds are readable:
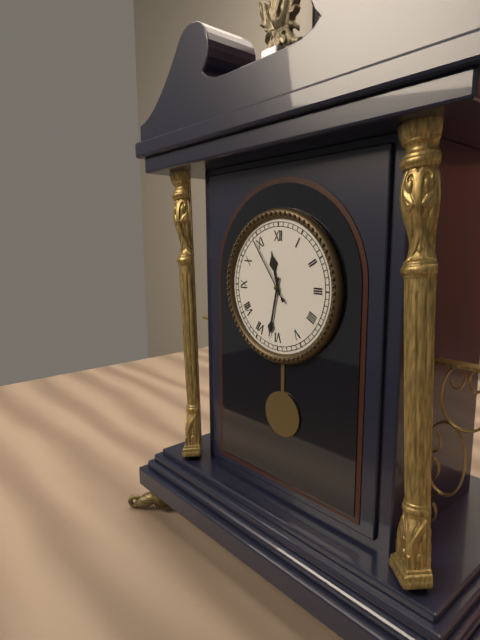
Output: 11.32.54
